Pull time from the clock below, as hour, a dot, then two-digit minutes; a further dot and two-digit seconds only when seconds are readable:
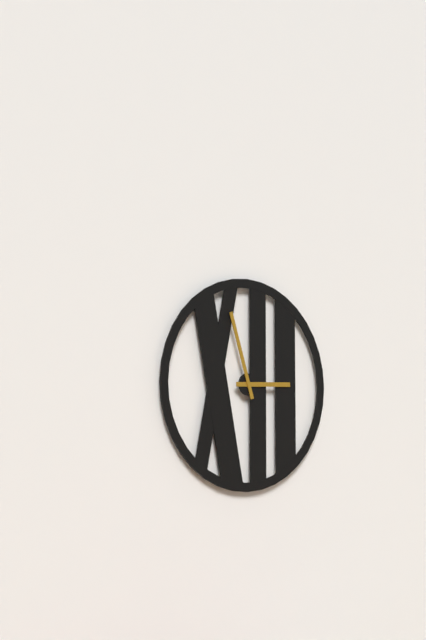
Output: 2.57
